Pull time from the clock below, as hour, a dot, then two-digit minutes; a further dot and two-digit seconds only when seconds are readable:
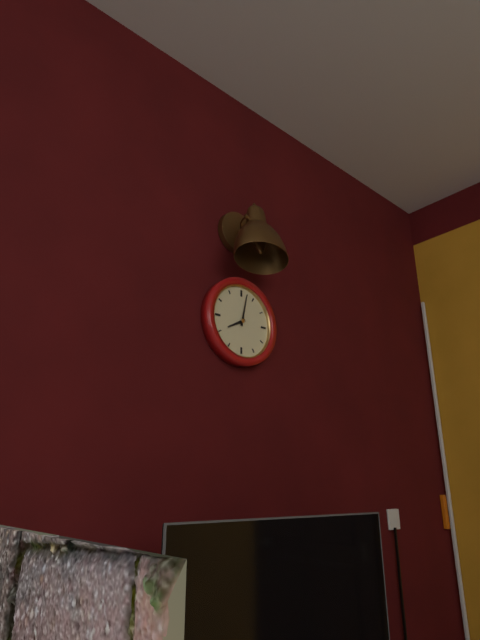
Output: 8.02
